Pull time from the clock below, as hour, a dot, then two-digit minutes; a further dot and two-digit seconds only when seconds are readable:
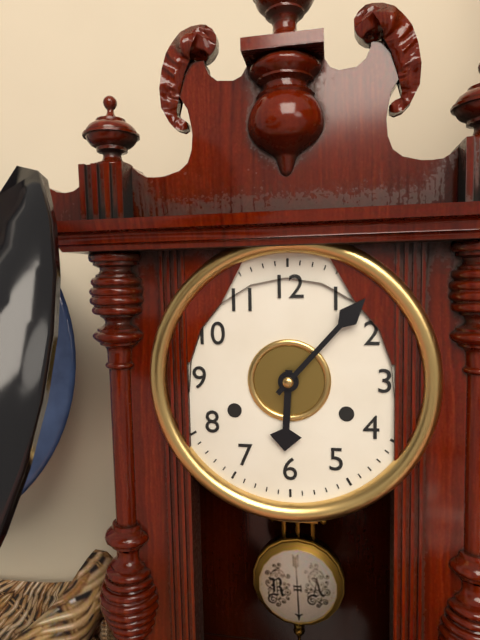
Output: 6.07
